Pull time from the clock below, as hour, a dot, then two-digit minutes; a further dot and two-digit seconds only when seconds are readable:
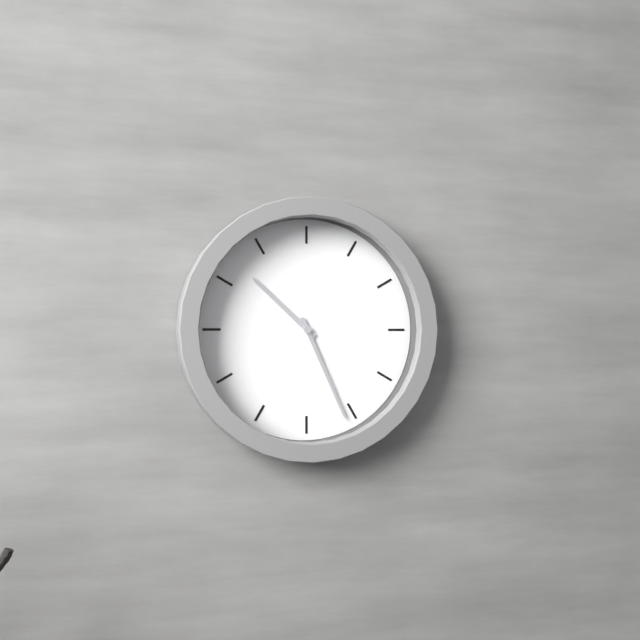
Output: 10.26
